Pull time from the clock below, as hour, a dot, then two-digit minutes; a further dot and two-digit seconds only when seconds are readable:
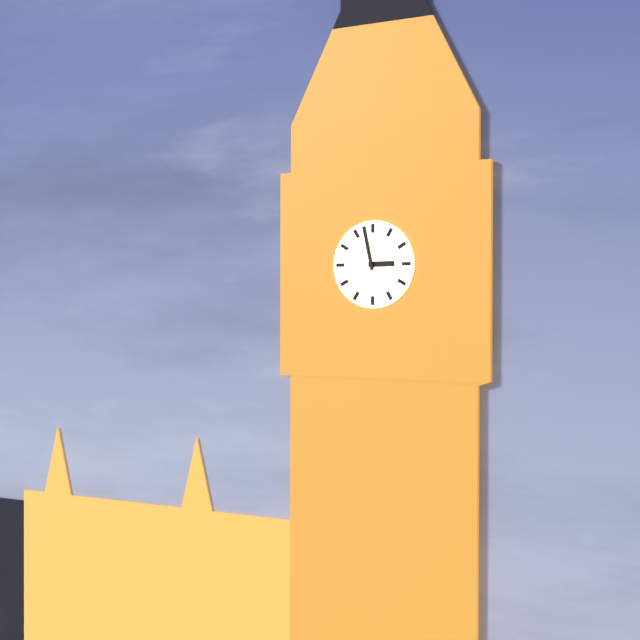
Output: 2.58
